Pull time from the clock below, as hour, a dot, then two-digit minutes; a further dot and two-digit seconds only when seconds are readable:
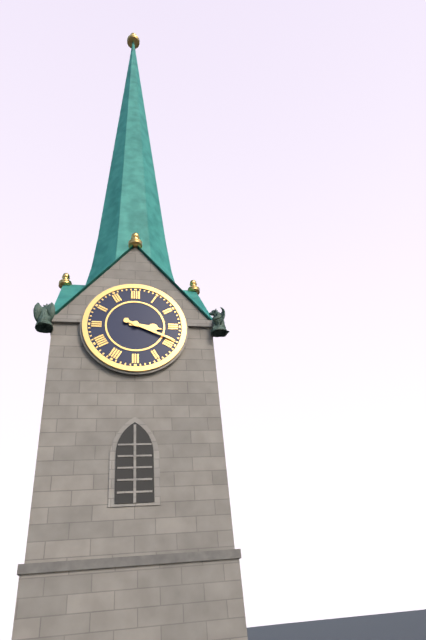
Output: 3.19
